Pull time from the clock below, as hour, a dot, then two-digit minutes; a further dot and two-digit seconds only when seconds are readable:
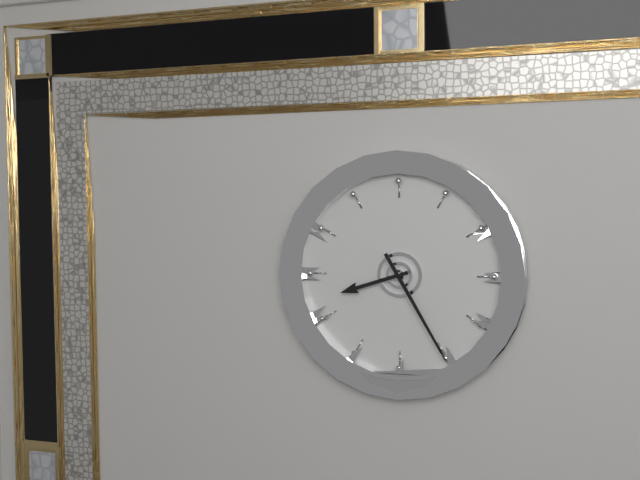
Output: 8.25
